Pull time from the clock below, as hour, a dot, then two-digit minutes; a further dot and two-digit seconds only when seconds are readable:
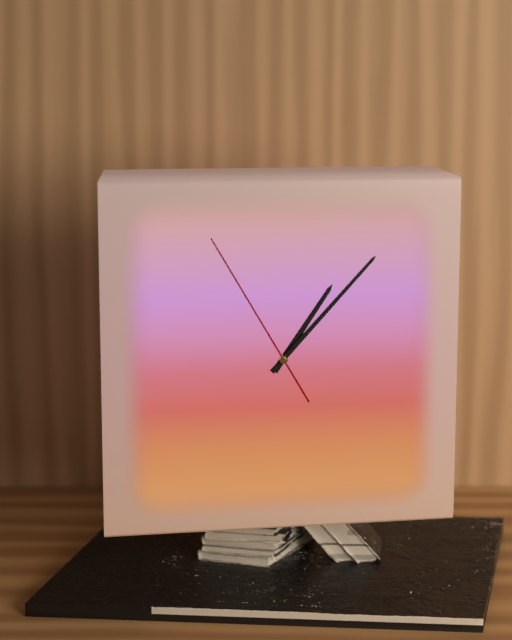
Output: 1.07.55
